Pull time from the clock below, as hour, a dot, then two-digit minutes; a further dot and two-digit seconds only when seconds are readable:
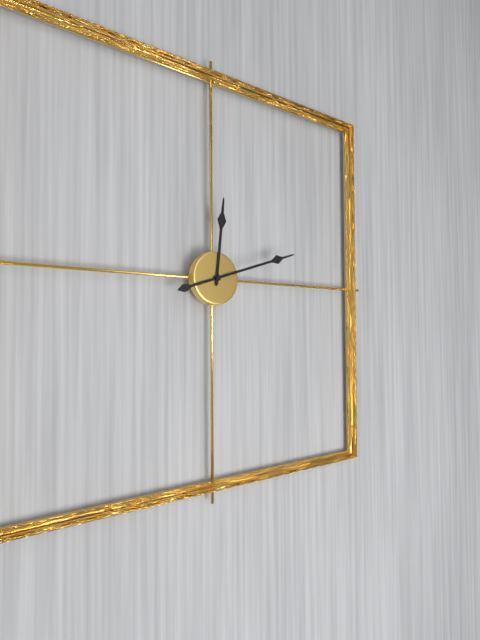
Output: 12.12
